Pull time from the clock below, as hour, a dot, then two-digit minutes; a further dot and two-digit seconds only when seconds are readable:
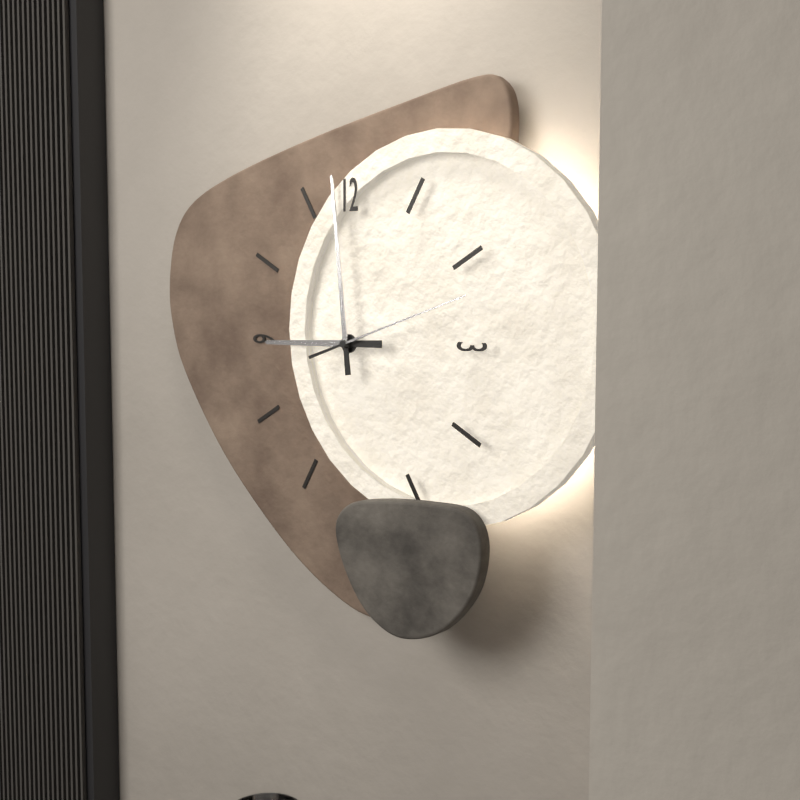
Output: 8.59.12
